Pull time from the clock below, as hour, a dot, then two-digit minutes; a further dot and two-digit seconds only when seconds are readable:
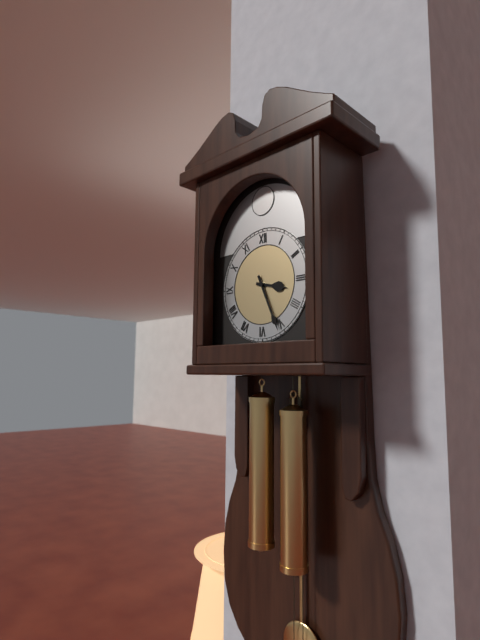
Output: 3.26
